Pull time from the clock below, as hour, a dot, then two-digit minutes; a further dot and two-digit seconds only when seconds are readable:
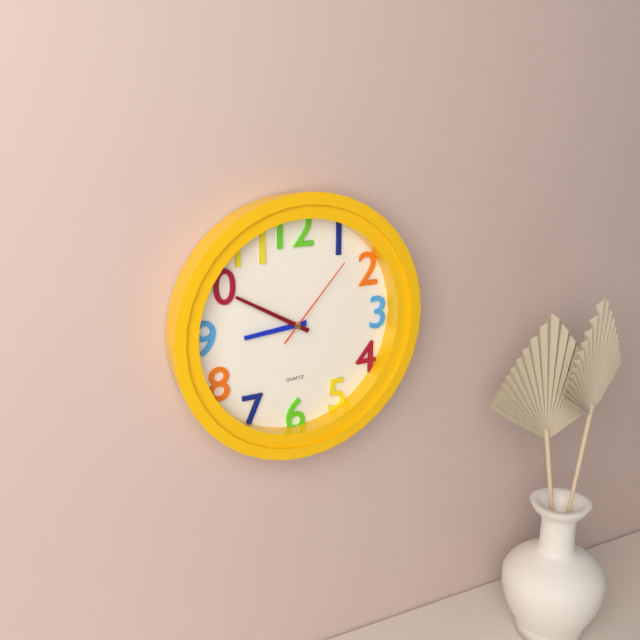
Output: 8.50.07
